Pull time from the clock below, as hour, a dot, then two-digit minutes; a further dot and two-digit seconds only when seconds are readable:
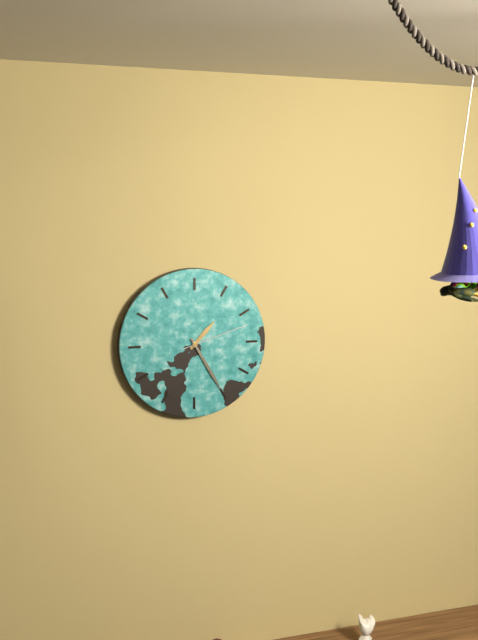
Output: 1.25.12
